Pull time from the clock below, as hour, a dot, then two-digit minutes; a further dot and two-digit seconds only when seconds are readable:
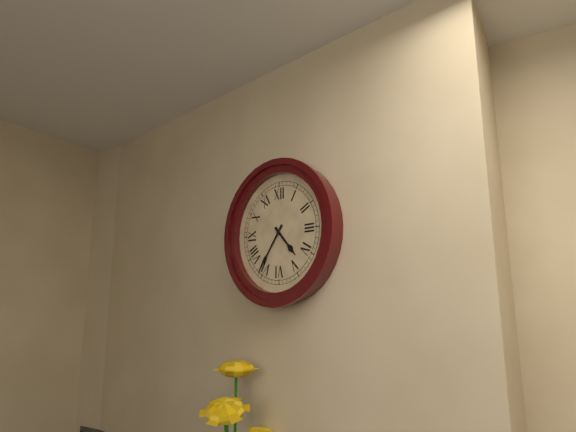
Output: 4.36
